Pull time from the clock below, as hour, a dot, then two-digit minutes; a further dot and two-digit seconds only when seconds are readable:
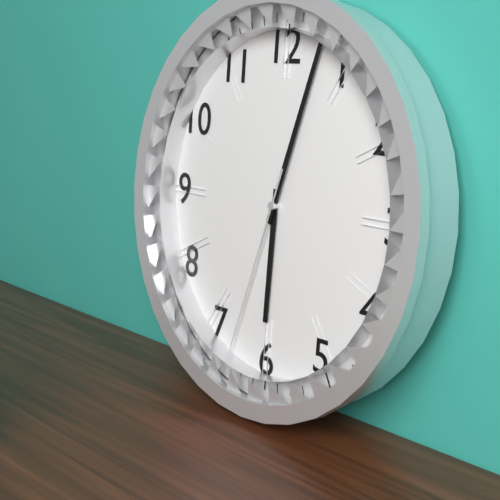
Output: 6.03.33
